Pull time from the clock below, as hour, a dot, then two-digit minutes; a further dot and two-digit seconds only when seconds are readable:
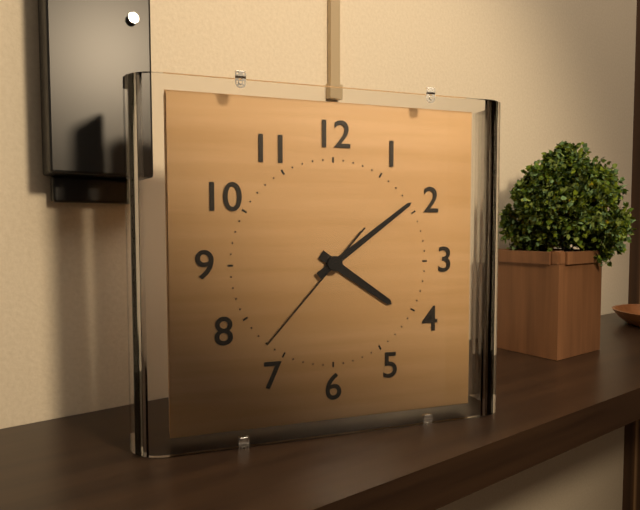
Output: 4.09.37
